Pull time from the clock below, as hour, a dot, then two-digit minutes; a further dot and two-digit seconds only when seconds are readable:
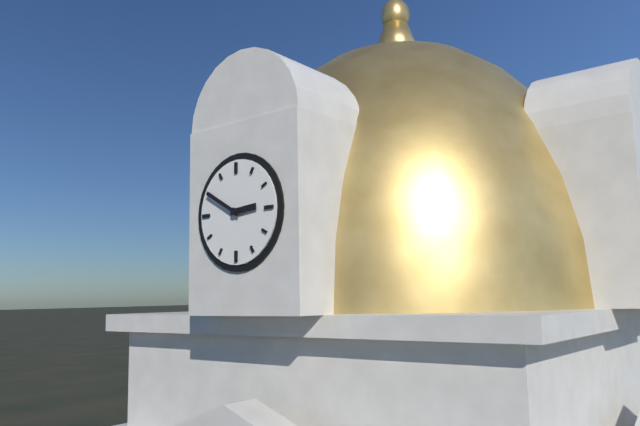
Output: 2.50
